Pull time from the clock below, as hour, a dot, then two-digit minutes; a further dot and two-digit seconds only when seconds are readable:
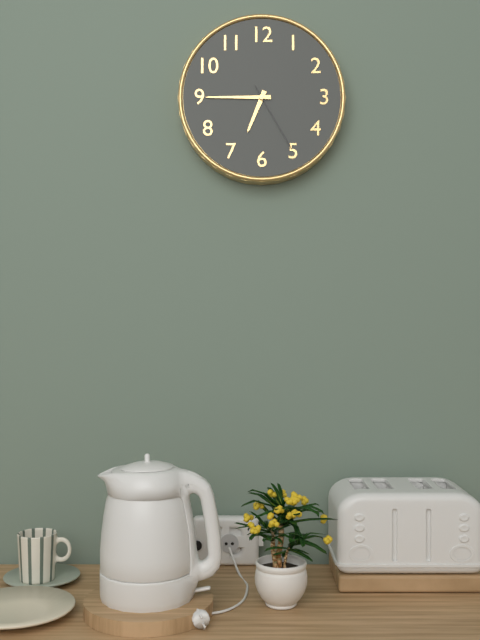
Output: 6.45.25
